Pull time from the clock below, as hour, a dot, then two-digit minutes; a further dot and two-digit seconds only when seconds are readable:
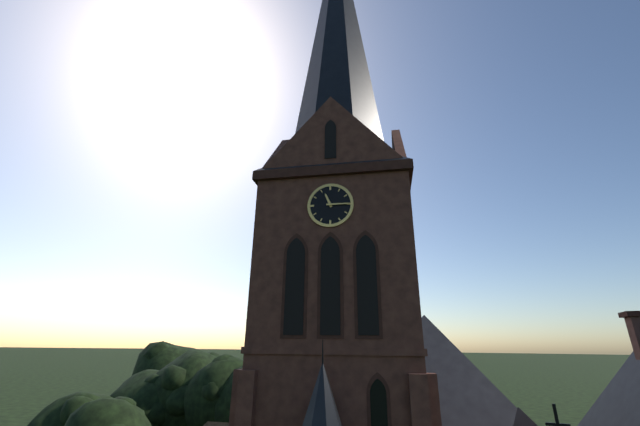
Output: 11.15
